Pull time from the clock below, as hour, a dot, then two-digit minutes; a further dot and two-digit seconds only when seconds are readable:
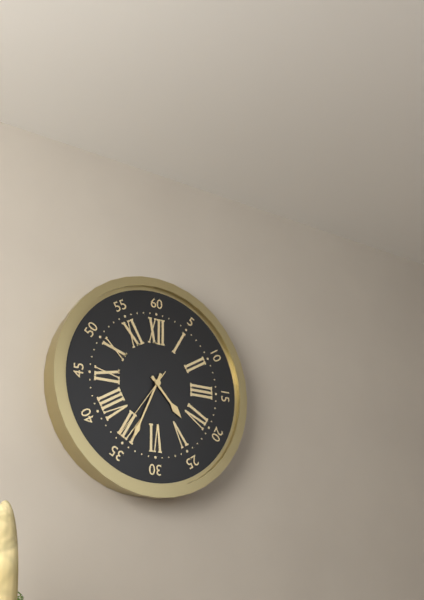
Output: 4.34.36
